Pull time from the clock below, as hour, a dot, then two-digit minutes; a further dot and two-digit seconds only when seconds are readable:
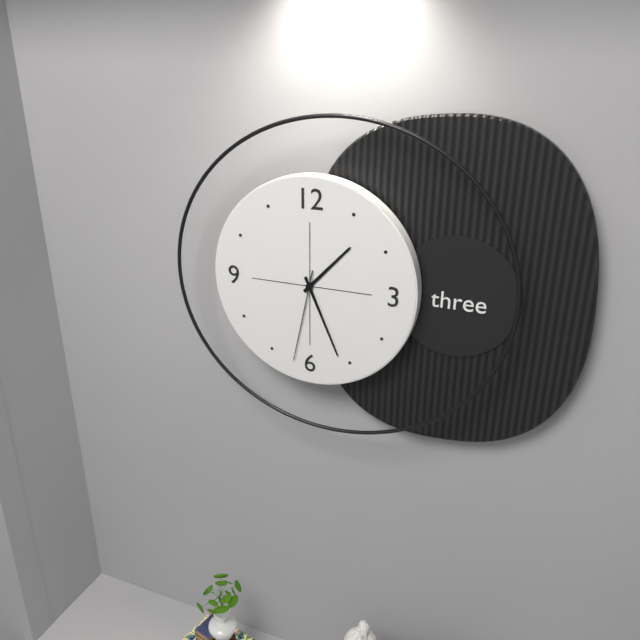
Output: 1.26.32
